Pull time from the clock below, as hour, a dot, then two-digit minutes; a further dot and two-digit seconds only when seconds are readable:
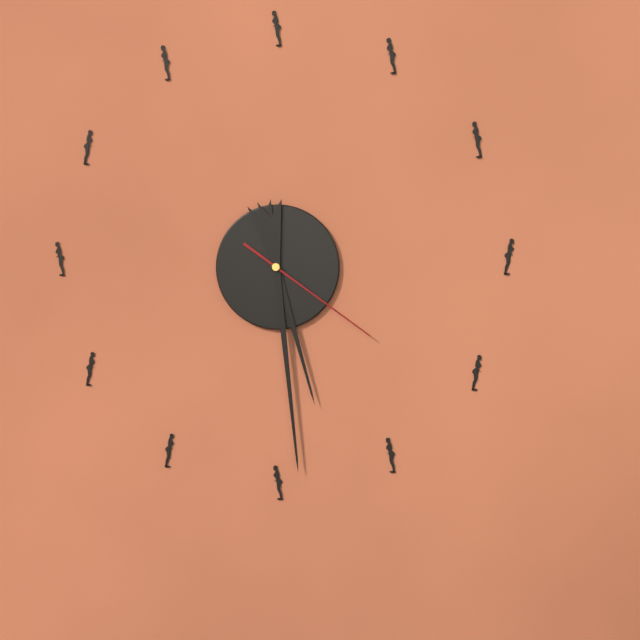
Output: 5.29.21
